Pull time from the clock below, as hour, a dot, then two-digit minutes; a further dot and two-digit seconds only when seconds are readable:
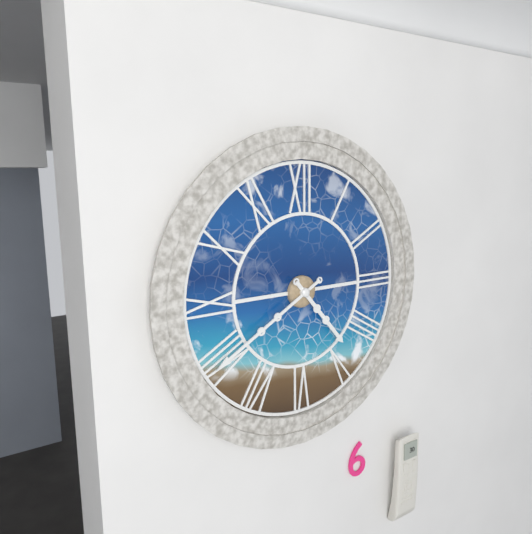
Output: 4.40
